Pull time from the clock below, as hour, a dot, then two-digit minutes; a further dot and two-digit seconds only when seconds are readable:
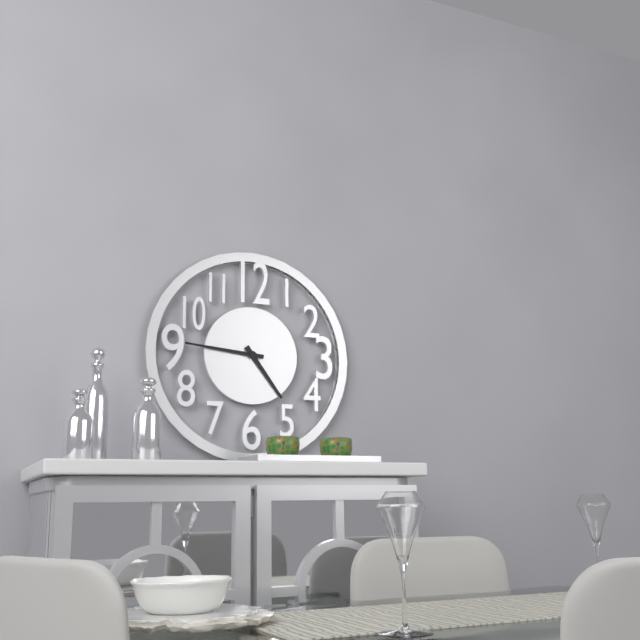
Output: 4.46
